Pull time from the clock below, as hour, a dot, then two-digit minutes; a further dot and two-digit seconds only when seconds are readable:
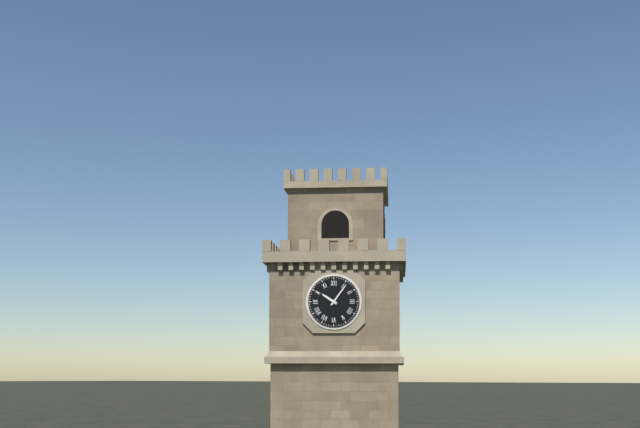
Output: 10.06
